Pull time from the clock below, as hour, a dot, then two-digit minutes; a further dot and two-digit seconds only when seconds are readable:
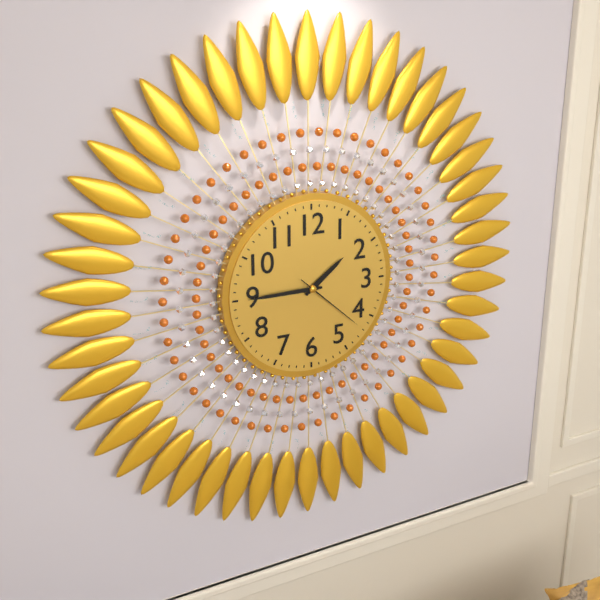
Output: 1.45.22
